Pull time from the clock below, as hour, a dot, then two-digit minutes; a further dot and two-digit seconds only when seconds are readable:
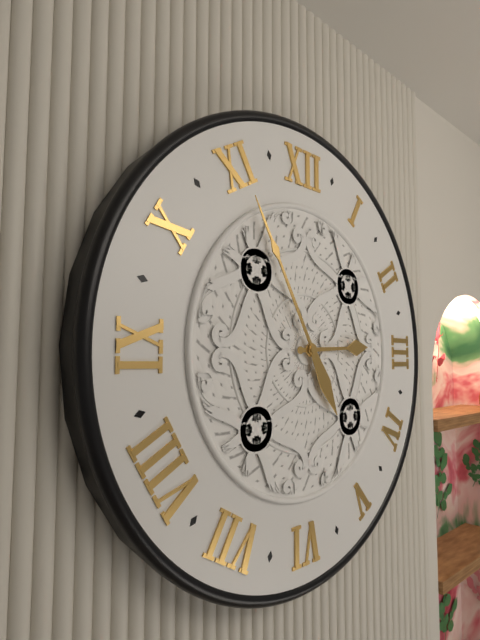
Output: 2.55
